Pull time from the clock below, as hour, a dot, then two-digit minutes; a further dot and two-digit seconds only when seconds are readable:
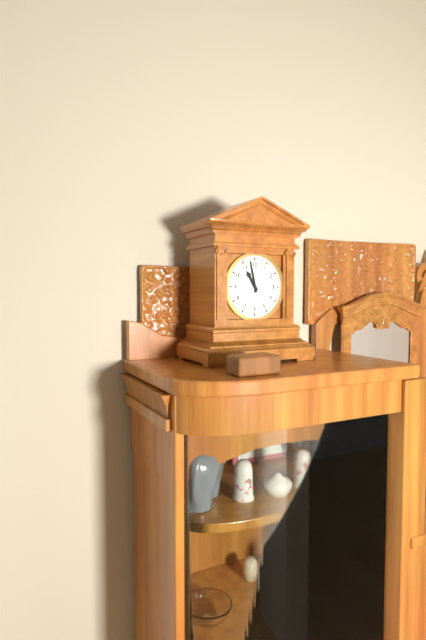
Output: 10.58
